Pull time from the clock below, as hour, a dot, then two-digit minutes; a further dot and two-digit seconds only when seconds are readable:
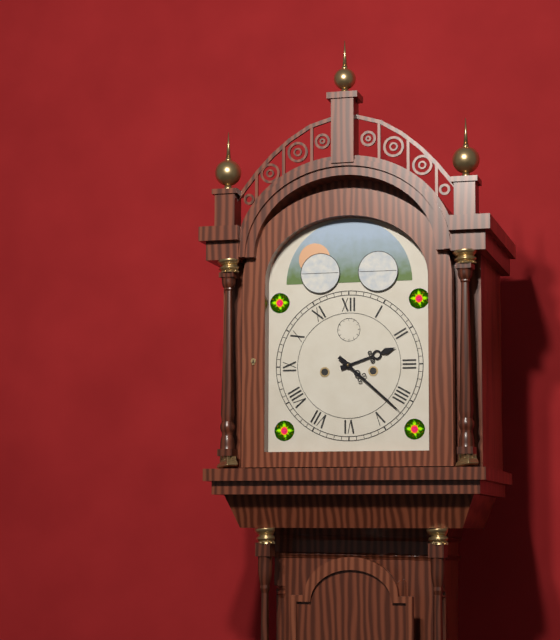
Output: 2.22
